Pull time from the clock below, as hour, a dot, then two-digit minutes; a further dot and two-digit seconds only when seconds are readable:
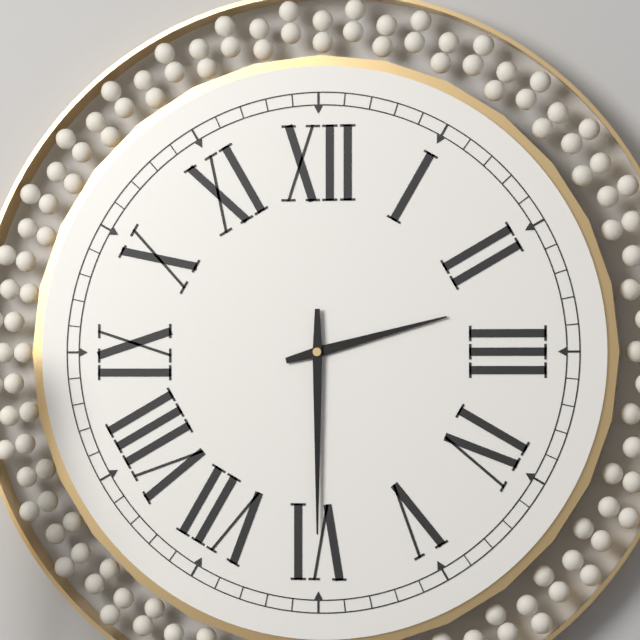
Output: 2.30
